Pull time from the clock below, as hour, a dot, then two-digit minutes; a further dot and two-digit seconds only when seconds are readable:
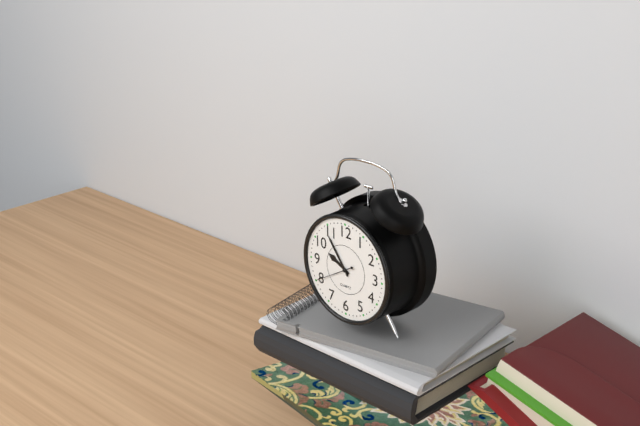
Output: 9.54.40
